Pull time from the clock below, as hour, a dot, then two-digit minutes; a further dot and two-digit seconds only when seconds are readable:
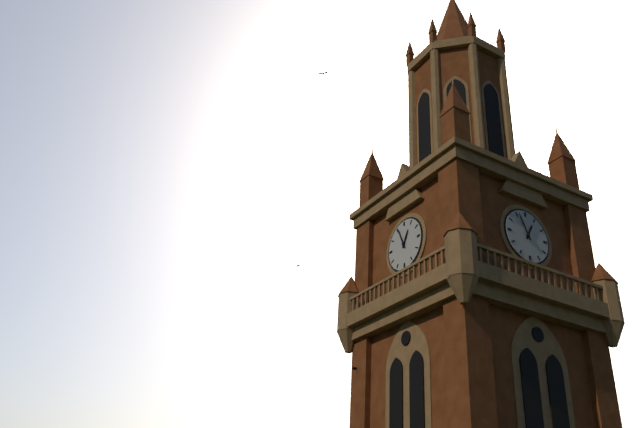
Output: 12.56
